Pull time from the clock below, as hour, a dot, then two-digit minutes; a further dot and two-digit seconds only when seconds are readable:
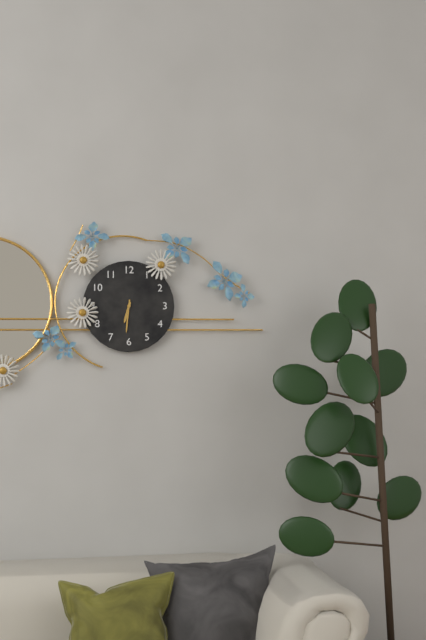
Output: 6.31
